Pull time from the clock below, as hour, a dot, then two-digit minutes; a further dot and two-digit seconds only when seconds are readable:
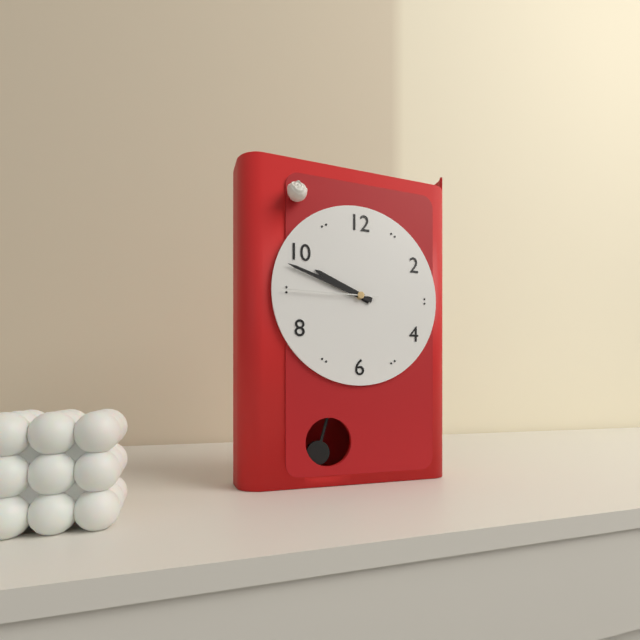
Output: 9.48.45
